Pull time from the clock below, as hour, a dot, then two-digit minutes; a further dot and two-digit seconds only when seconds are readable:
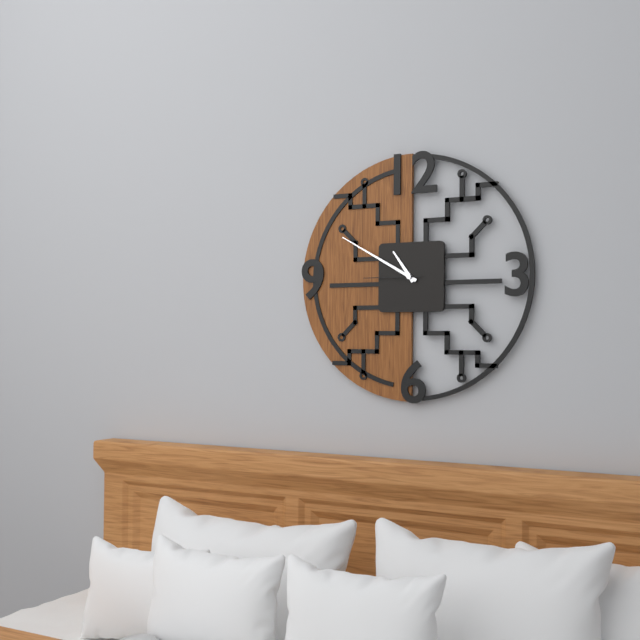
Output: 10.50.45
